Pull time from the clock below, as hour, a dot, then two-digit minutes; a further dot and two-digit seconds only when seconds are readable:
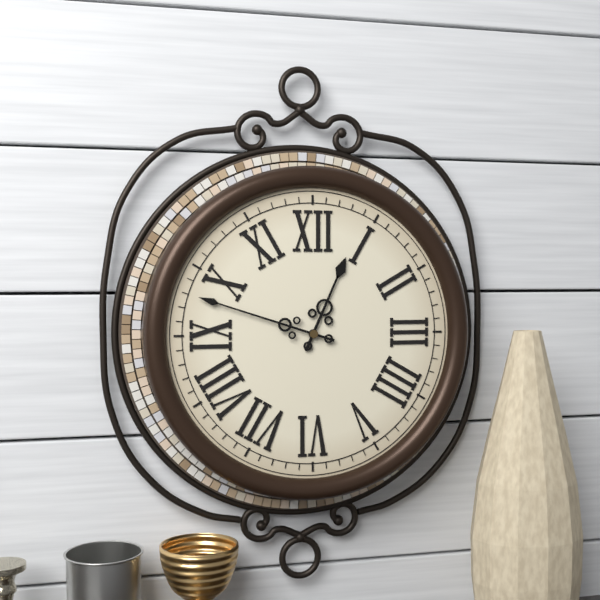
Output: 12.48
